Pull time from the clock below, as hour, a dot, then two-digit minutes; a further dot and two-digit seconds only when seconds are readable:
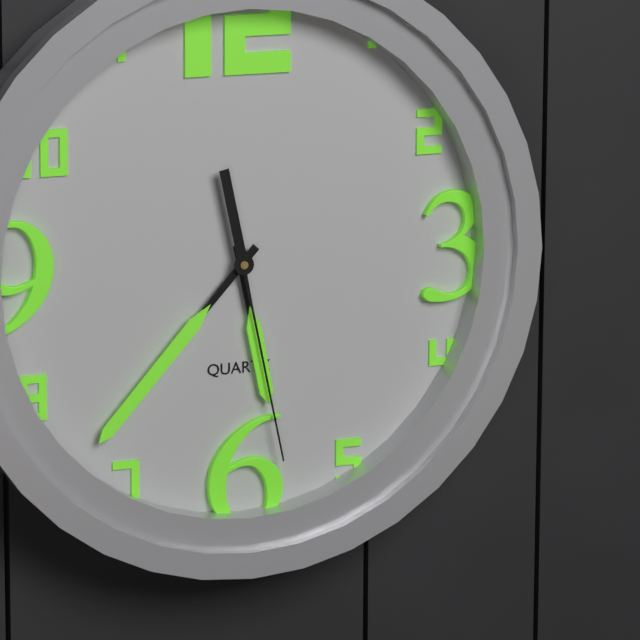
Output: 5.37.28
